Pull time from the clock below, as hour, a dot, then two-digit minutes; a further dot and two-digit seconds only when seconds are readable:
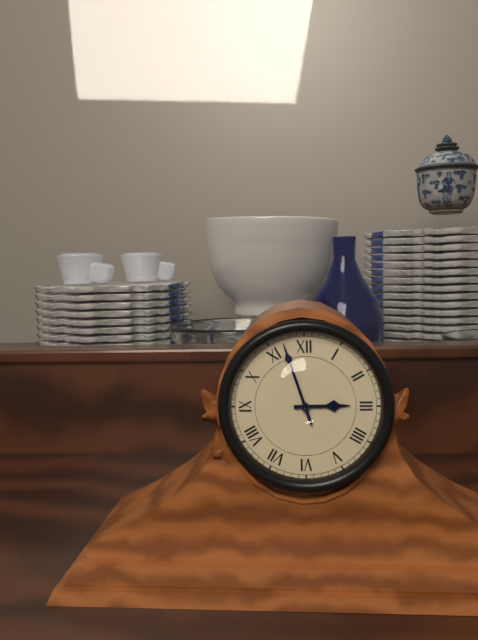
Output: 2.57
